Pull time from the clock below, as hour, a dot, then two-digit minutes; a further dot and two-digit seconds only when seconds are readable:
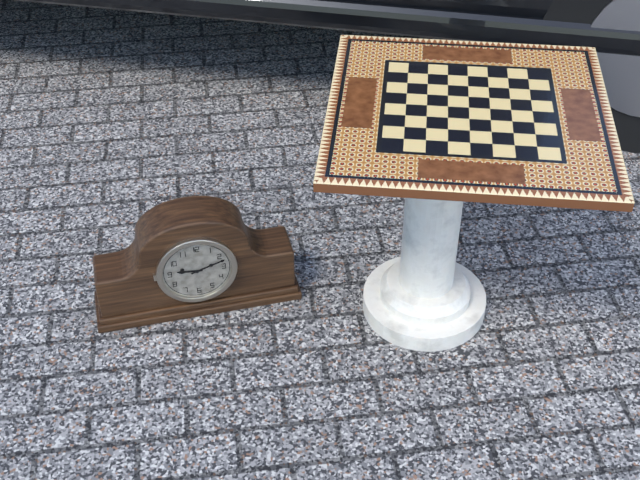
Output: 9.12
